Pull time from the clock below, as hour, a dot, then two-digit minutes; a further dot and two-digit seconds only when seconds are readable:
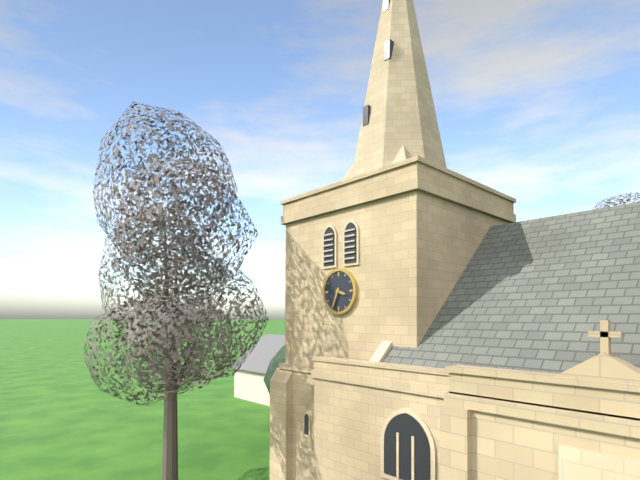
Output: 3.34
